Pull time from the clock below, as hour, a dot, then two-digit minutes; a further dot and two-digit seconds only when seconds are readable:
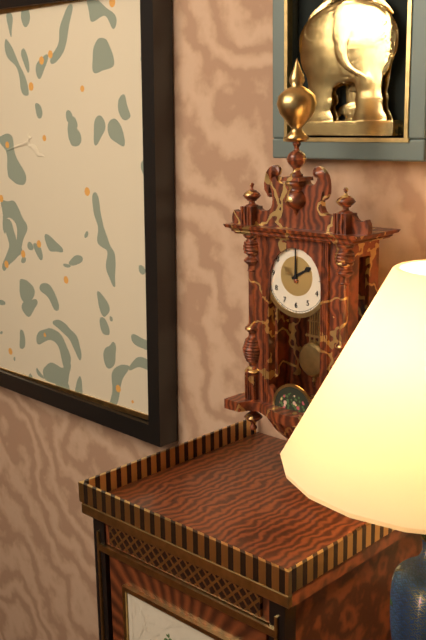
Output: 2.00
